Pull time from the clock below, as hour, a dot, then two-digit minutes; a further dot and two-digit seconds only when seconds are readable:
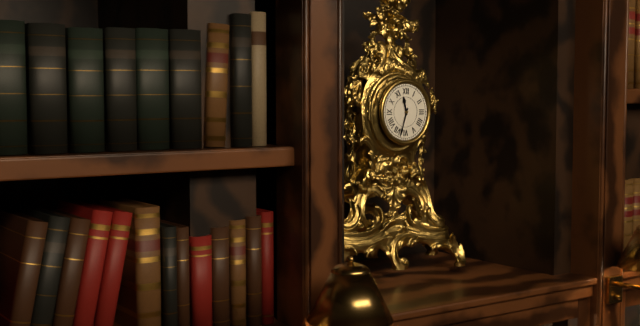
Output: 11.33
